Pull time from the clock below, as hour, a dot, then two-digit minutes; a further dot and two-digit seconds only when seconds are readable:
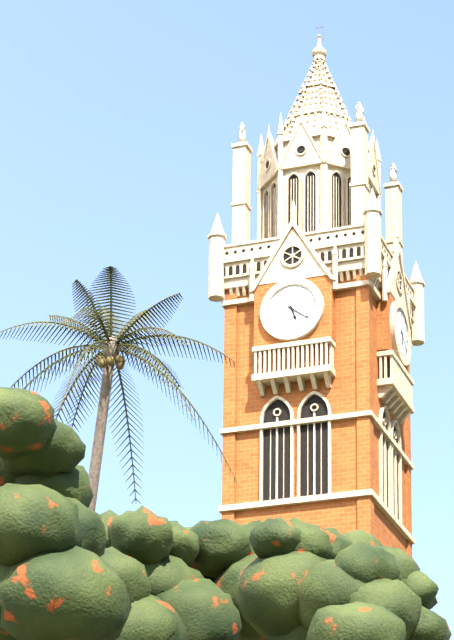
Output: 5.21
